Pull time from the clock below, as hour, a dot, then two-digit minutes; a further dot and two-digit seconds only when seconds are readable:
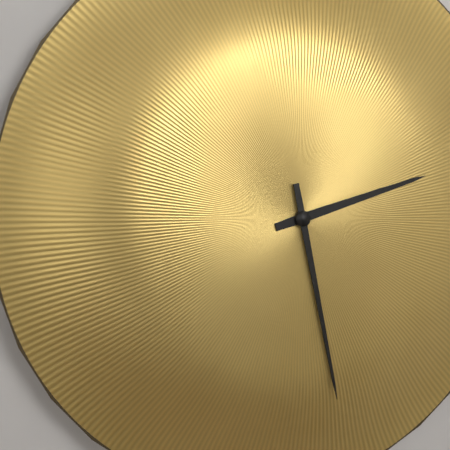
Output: 2.28
